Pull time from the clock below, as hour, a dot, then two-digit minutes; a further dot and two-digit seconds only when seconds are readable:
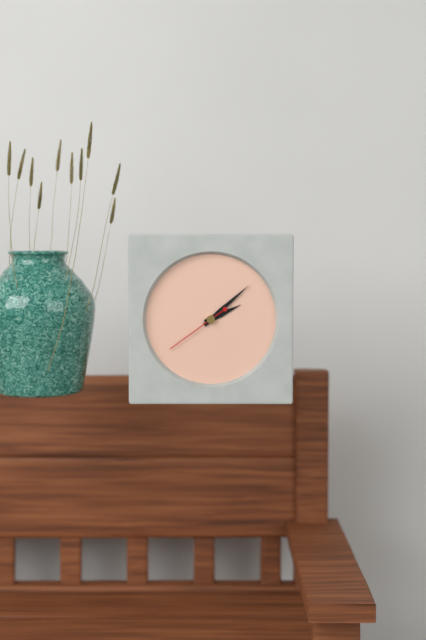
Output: 2.08.39
